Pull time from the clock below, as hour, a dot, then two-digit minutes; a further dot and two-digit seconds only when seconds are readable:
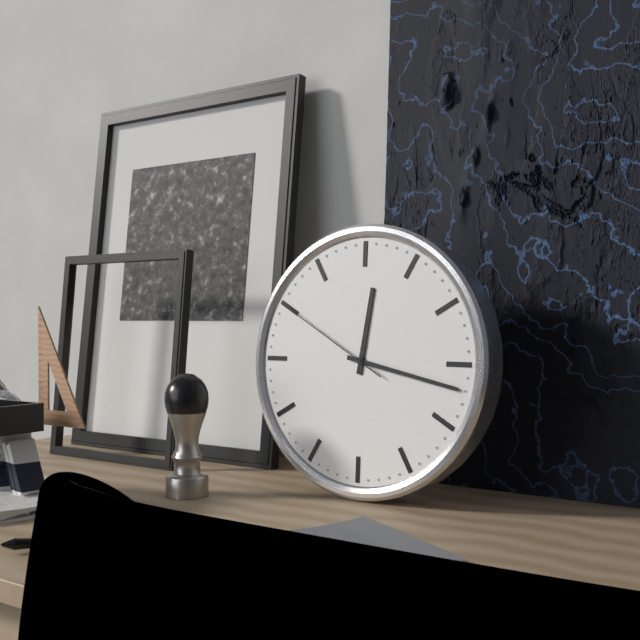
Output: 12.17.50
